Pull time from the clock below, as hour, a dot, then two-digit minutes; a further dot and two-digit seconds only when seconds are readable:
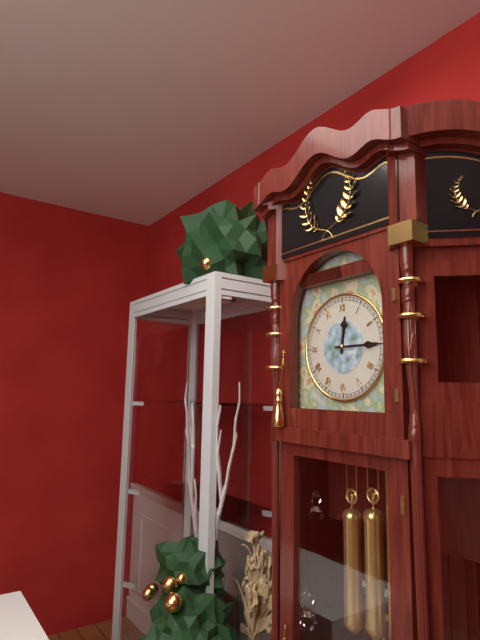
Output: 12.15
